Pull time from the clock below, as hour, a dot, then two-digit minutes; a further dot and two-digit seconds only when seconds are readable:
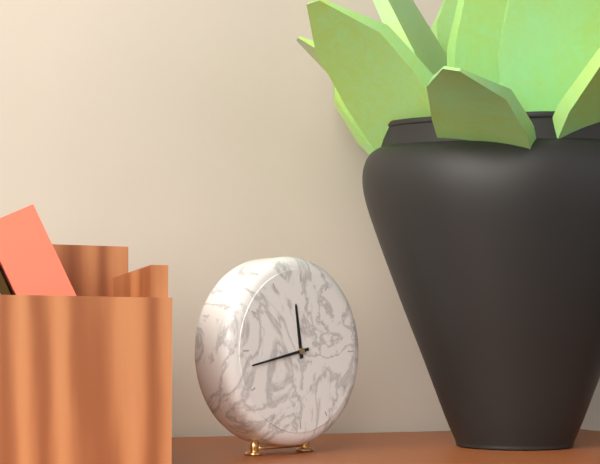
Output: 11.43
